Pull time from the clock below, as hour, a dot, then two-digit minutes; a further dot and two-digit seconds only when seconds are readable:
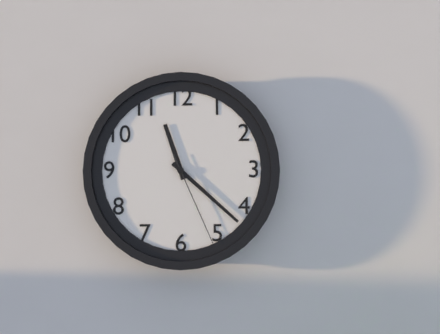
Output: 11.22.26
